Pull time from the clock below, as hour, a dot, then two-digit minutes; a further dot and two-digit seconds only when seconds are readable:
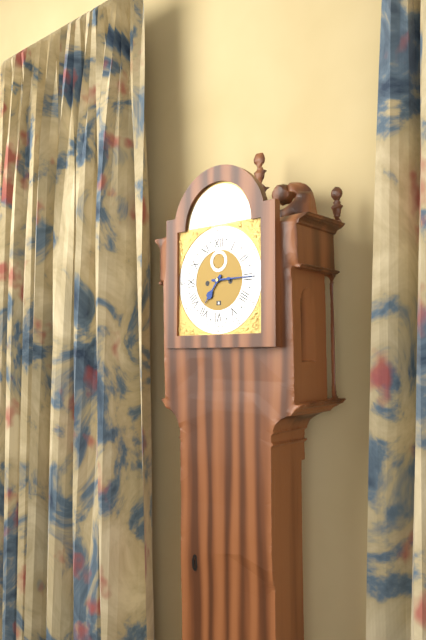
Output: 7.15
